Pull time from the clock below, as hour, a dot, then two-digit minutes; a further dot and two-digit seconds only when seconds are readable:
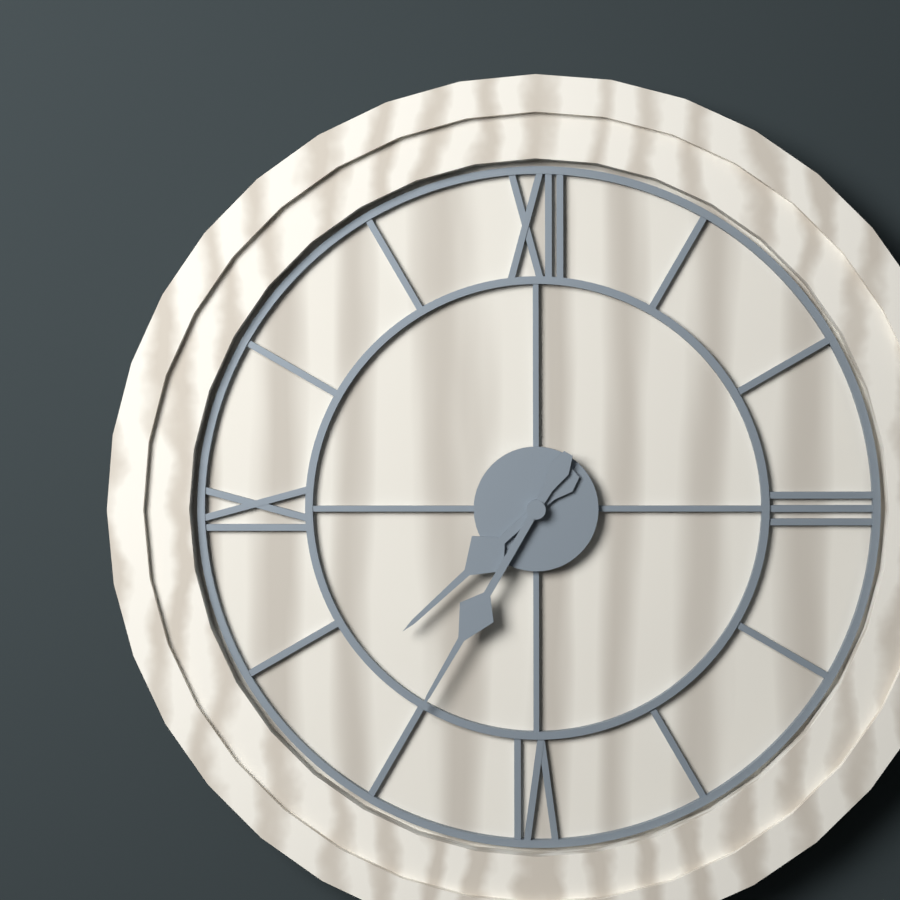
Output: 7.35
